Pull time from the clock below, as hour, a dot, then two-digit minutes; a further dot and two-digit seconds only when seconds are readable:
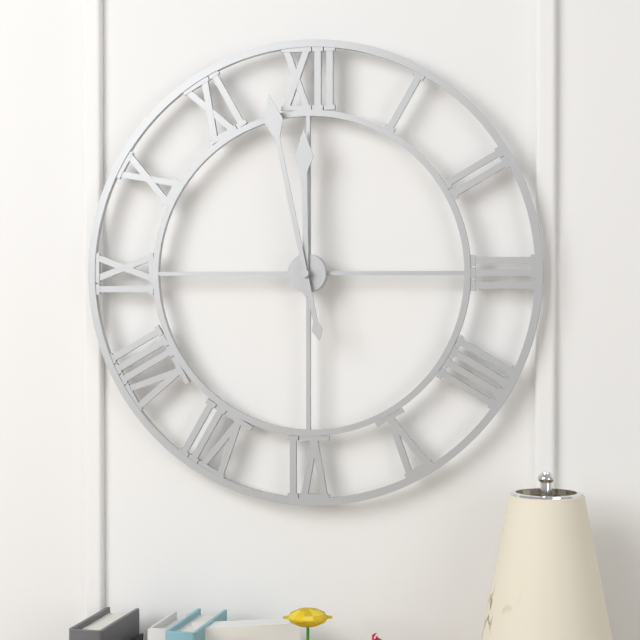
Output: 11.58
